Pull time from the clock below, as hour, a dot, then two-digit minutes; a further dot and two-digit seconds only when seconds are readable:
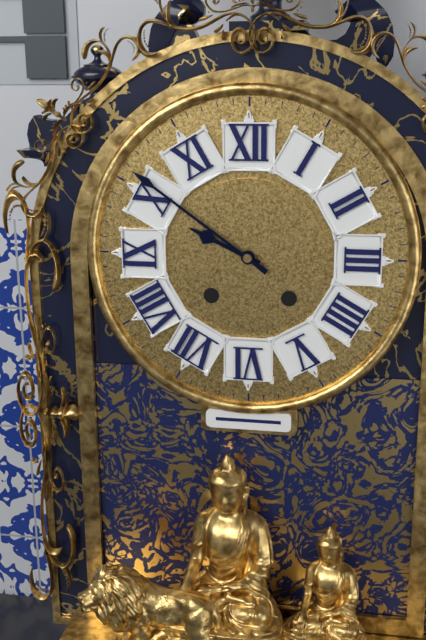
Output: 9.51
